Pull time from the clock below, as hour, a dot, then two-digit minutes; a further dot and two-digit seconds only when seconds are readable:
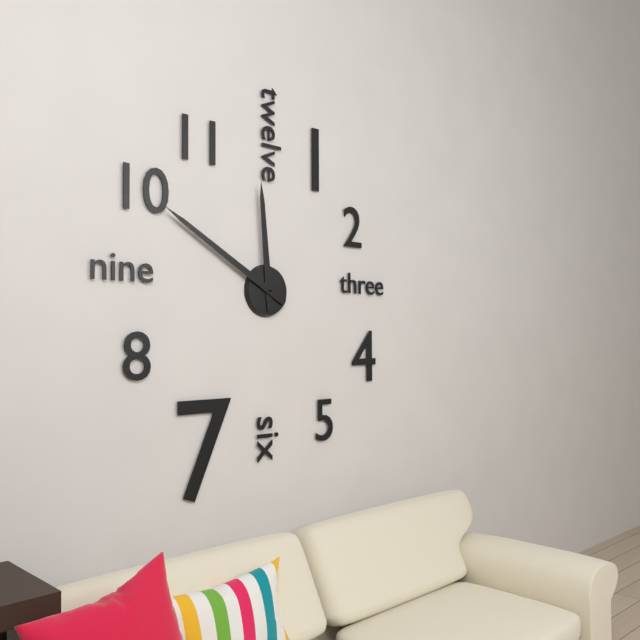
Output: 11.50
